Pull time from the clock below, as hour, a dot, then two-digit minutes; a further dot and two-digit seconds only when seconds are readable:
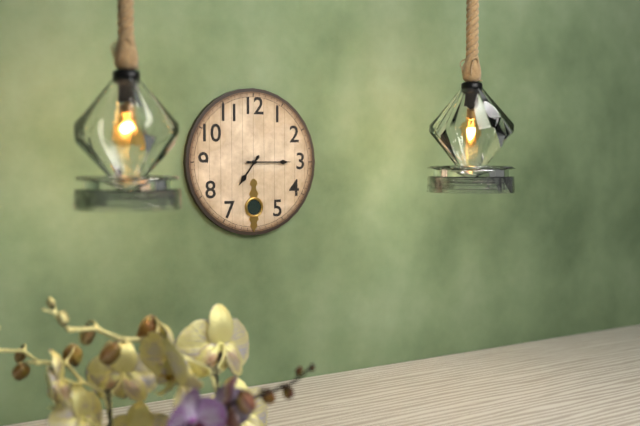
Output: 7.15
